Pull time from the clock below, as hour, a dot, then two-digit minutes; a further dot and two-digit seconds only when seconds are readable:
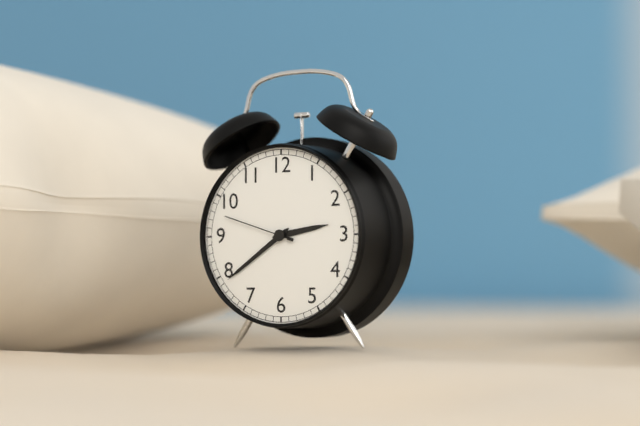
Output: 2.39.48
